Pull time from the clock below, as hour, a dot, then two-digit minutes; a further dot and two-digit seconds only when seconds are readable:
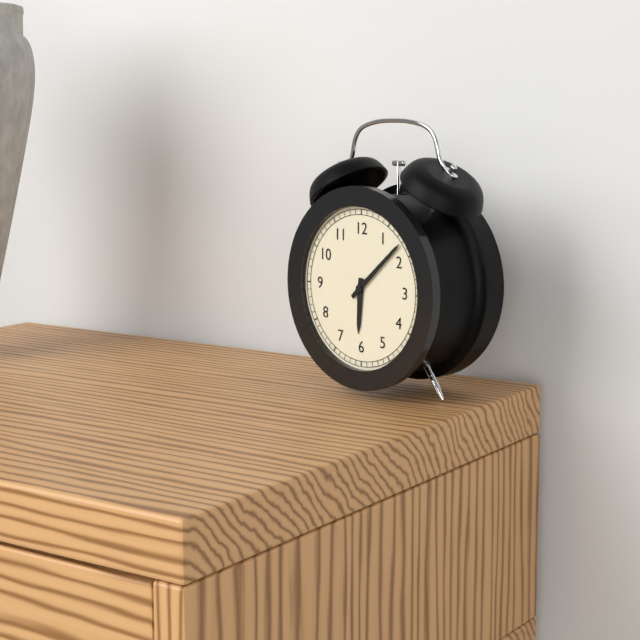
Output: 6.08
